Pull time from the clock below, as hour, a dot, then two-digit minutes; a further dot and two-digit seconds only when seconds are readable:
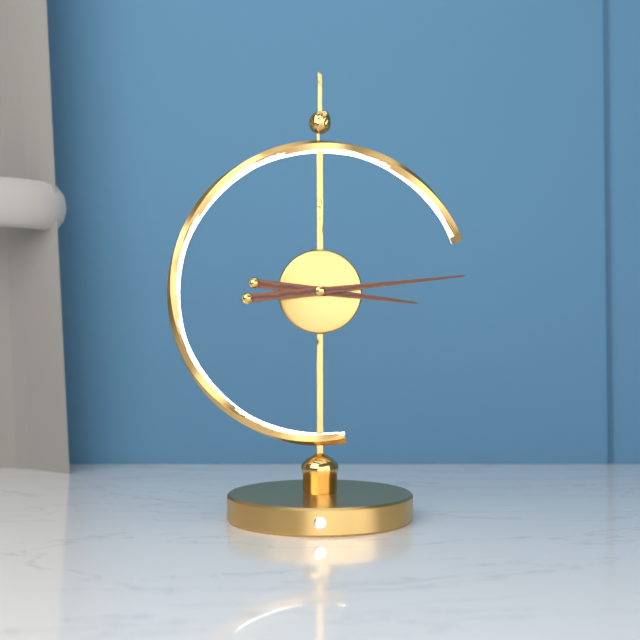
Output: 3.14
